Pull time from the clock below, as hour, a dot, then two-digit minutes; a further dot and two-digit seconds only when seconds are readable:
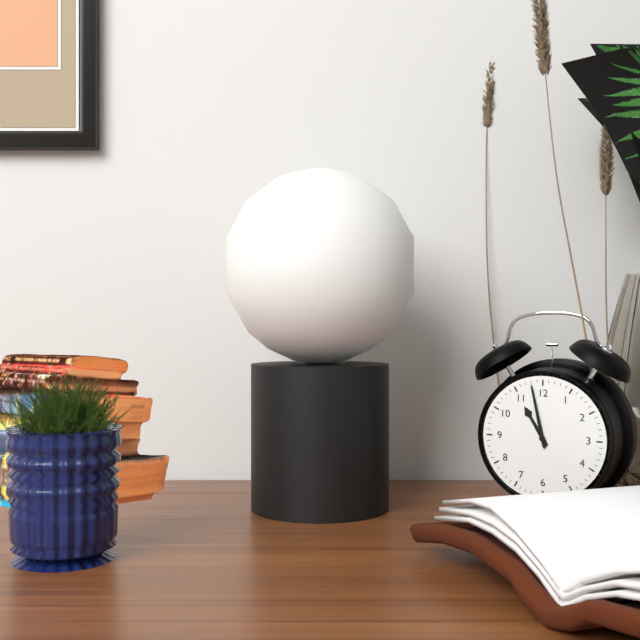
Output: 10.58
